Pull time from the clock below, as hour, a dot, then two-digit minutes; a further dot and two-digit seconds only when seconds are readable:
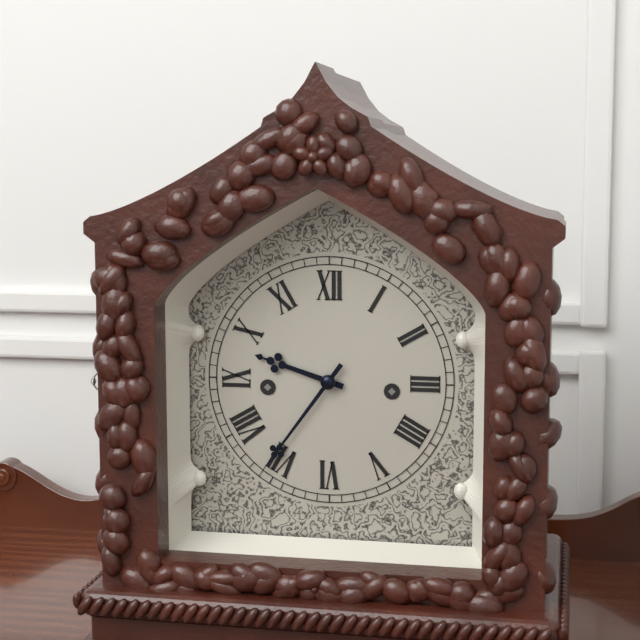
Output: 9.36
